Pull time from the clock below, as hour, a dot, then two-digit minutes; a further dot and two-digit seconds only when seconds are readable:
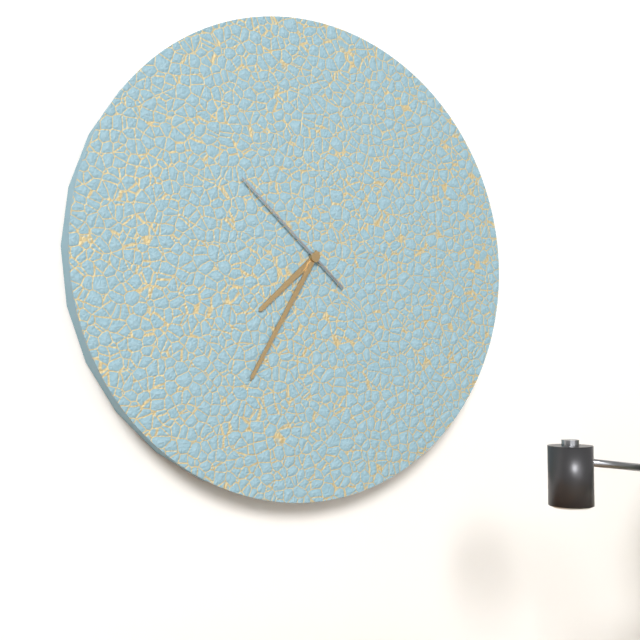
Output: 7.35.52
